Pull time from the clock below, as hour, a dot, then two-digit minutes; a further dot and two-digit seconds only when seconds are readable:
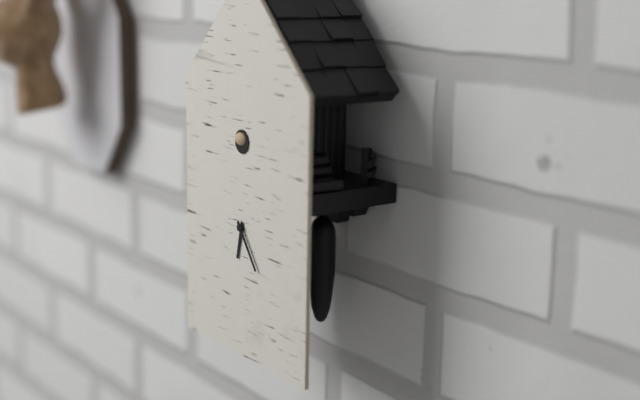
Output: 6.24
